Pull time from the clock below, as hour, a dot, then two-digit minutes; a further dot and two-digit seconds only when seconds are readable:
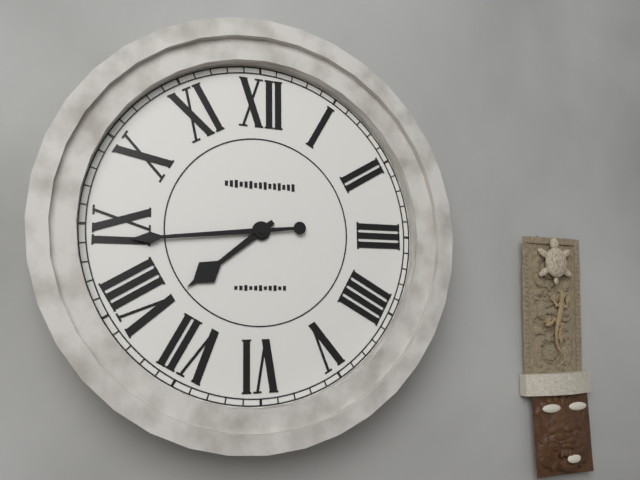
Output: 7.44
